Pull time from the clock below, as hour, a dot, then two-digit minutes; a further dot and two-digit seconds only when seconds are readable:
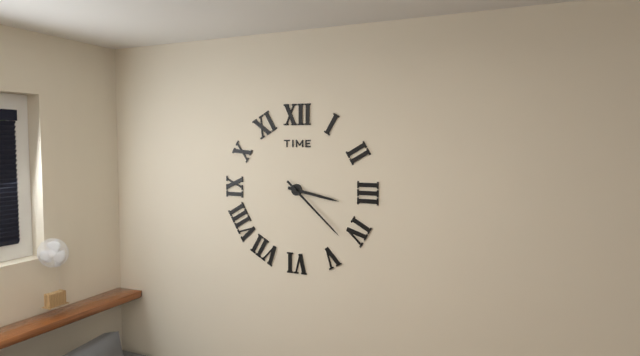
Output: 3.22
